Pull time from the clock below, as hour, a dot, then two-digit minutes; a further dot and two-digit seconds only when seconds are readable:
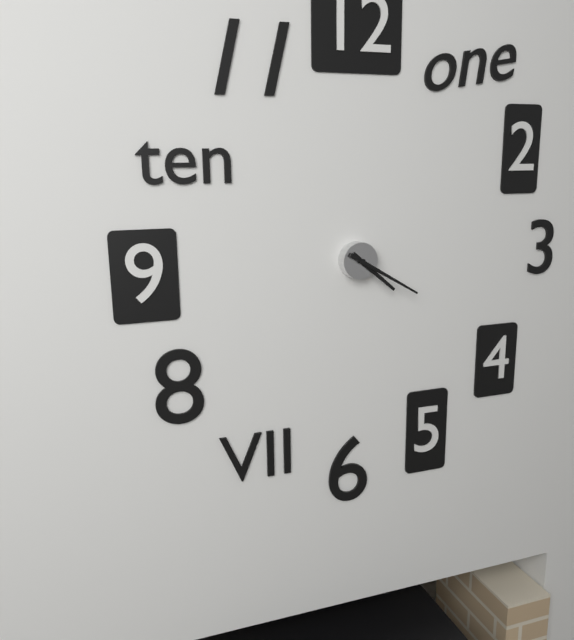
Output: 4.20
